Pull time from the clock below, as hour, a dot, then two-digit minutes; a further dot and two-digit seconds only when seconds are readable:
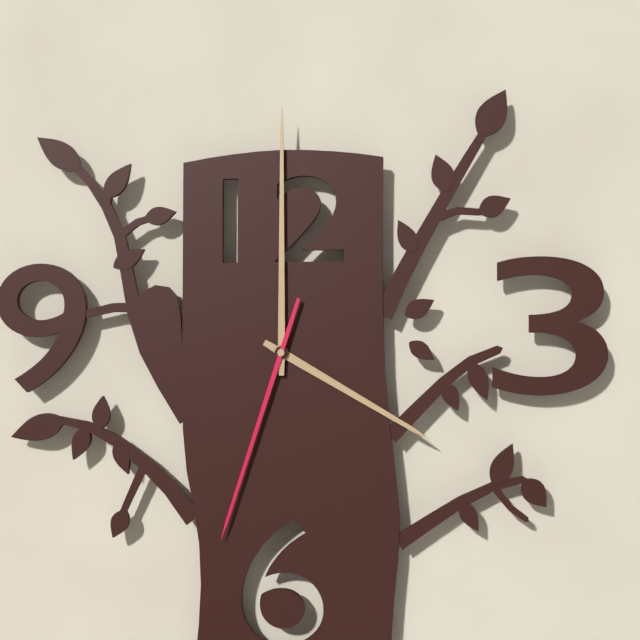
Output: 4.00.33
